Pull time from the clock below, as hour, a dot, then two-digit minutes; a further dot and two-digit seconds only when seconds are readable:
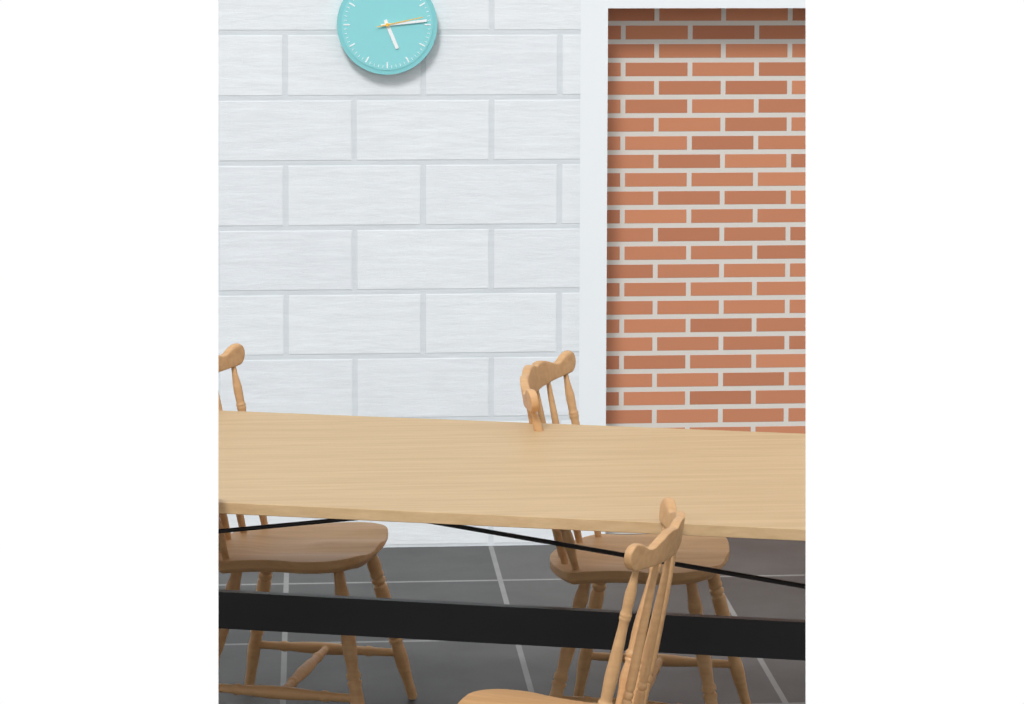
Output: 5.14
